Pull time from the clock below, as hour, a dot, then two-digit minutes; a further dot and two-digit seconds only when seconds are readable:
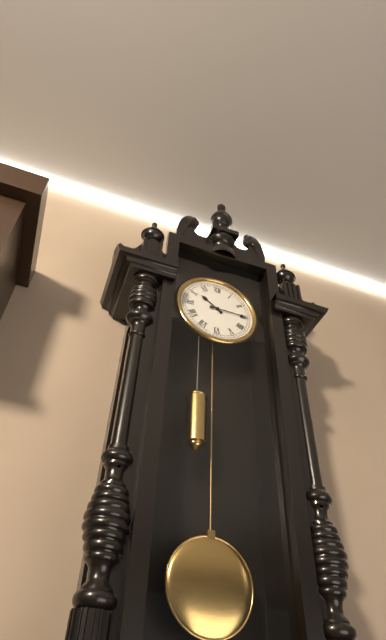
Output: 10.15
